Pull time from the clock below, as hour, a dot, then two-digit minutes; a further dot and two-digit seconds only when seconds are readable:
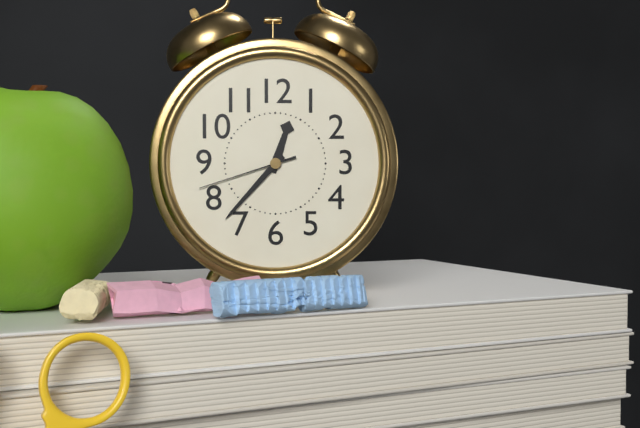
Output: 12.37.42
